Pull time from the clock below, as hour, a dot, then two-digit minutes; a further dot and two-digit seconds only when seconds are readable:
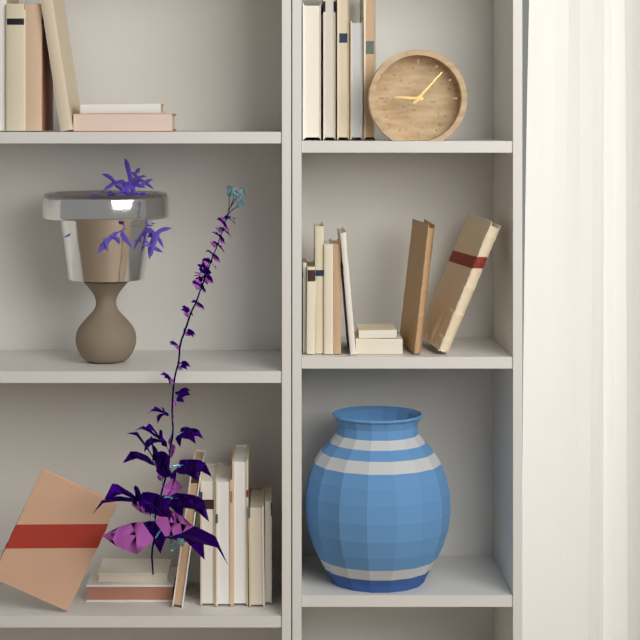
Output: 9.07
